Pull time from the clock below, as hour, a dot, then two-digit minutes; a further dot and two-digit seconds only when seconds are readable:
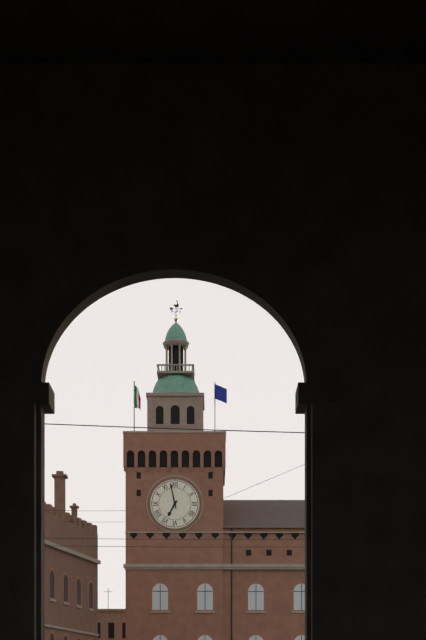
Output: 6.58
